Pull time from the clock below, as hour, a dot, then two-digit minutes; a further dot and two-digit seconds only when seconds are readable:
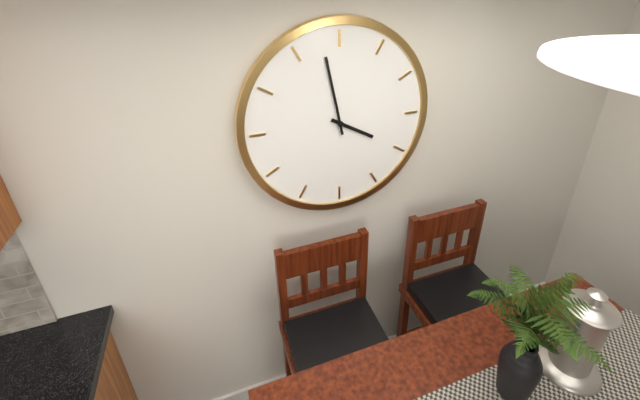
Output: 3.58
